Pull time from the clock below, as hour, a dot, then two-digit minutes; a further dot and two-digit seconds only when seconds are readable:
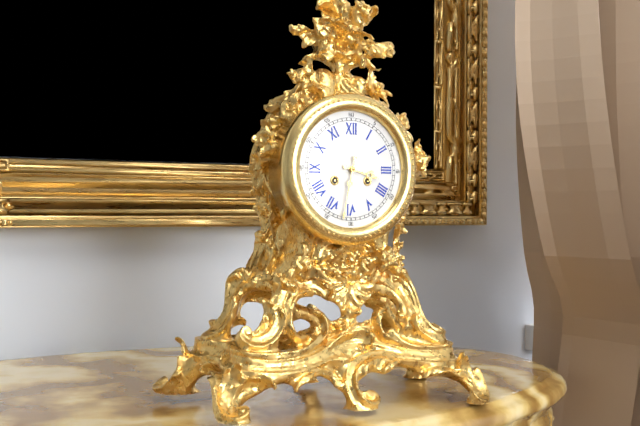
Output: 3.32
